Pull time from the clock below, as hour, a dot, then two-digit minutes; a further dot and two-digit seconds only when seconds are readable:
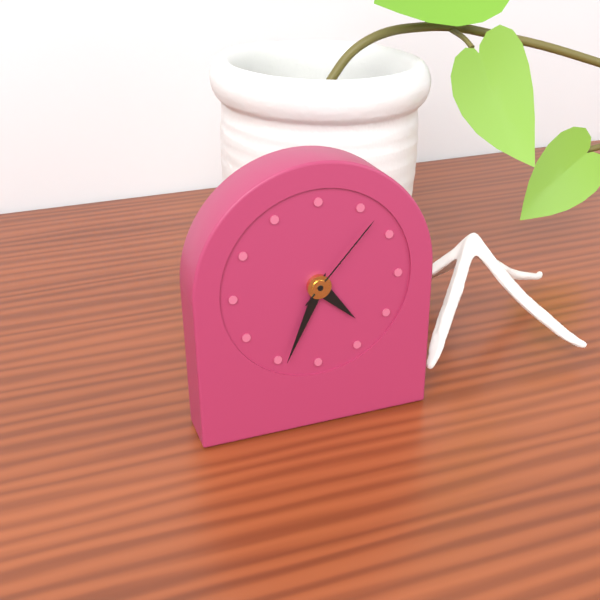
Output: 4.34.07
